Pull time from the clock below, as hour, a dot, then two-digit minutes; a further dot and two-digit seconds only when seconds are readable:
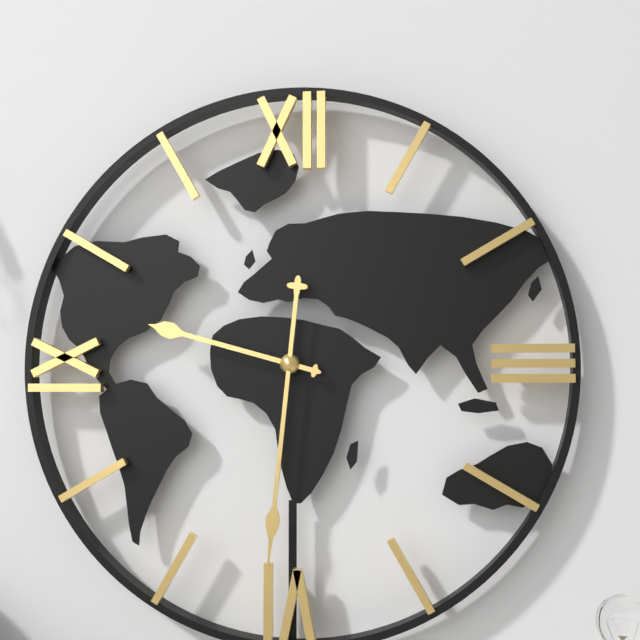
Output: 9.31
